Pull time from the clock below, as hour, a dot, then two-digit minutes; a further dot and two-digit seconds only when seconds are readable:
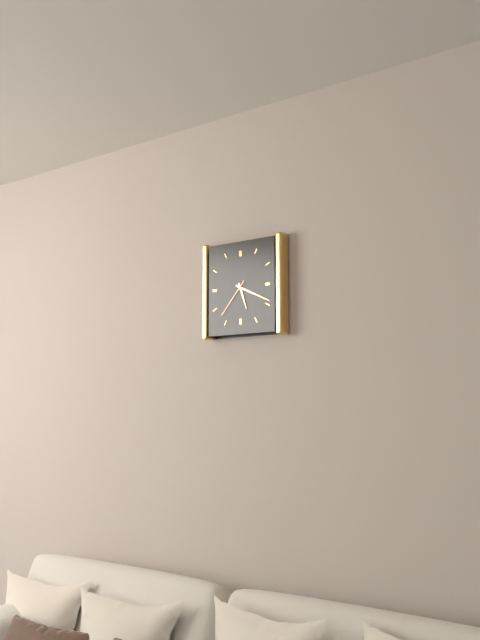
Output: 5.19
